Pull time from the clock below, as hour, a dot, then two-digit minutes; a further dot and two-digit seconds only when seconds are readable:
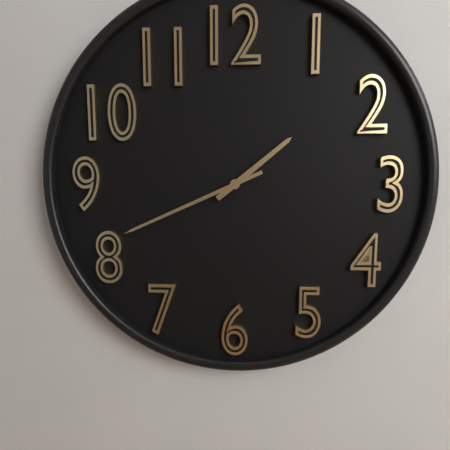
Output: 1.41
